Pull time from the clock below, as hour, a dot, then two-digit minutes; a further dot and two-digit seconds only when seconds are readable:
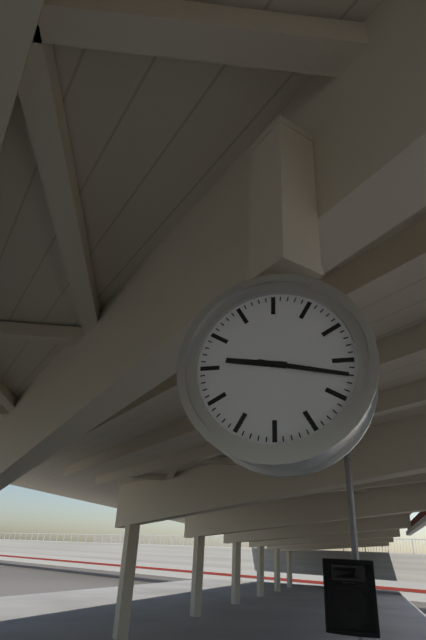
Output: 9.17
